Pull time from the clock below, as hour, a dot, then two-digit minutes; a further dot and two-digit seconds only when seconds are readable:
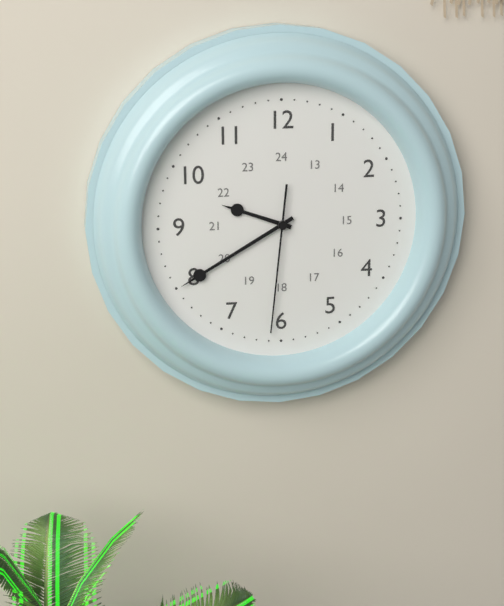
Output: 9.40.31
